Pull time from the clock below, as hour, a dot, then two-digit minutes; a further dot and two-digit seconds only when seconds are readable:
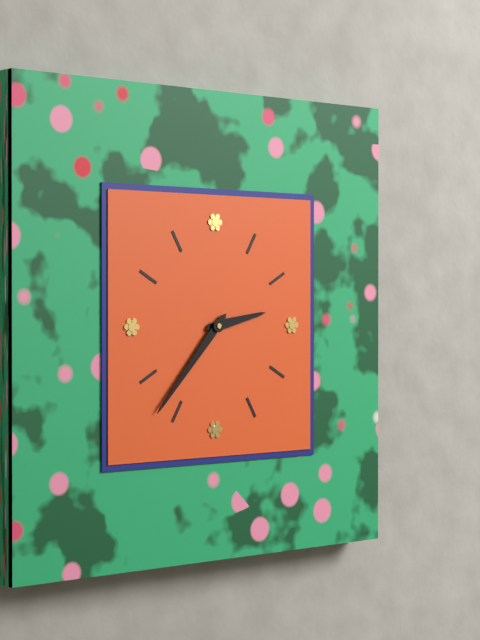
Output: 2.37
